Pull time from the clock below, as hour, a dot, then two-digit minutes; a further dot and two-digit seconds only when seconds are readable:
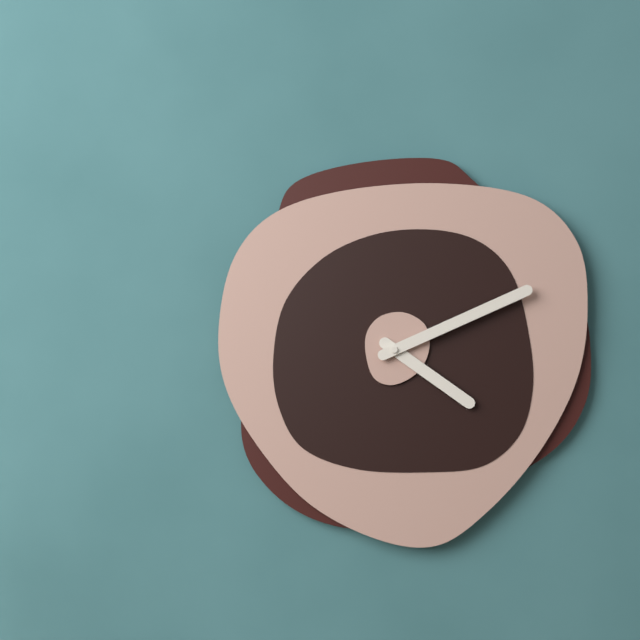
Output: 4.11
